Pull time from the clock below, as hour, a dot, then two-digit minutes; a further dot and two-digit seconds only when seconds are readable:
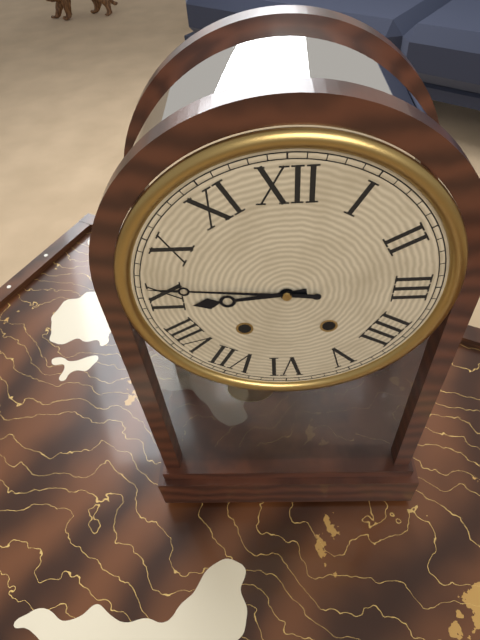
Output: 8.46
